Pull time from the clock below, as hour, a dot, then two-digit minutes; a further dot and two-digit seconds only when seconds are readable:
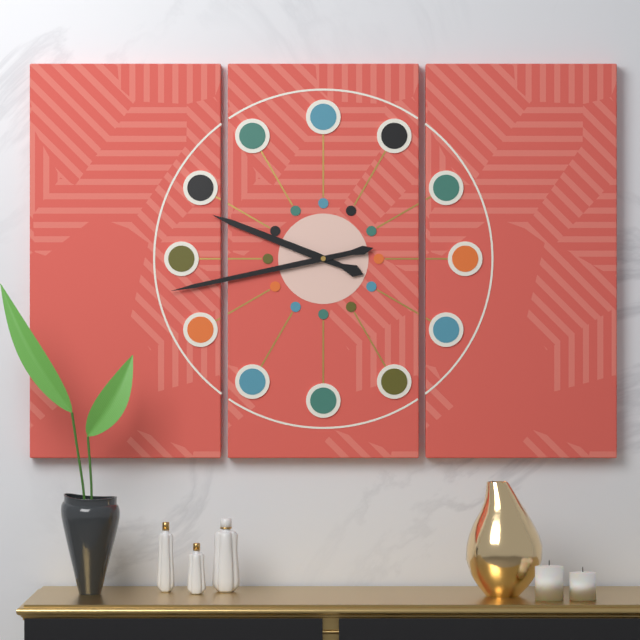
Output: 9.43
